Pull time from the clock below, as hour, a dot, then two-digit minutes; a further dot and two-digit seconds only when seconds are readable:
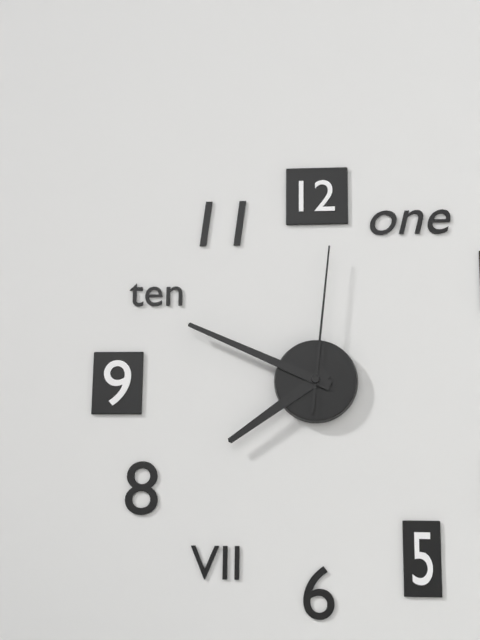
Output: 7.49.01
